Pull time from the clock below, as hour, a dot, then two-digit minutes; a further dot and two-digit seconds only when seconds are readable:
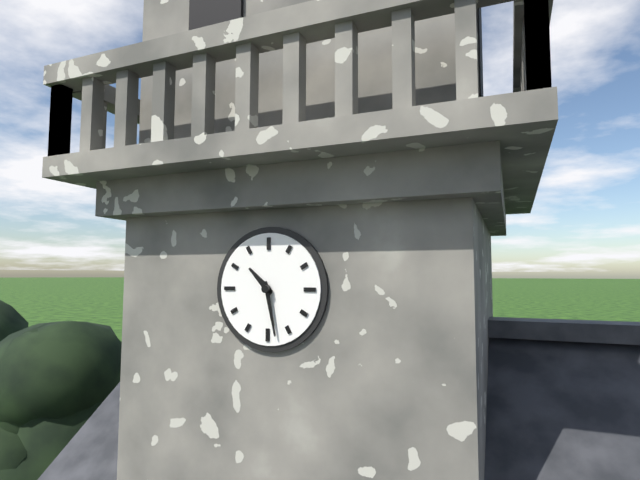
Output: 10.28
